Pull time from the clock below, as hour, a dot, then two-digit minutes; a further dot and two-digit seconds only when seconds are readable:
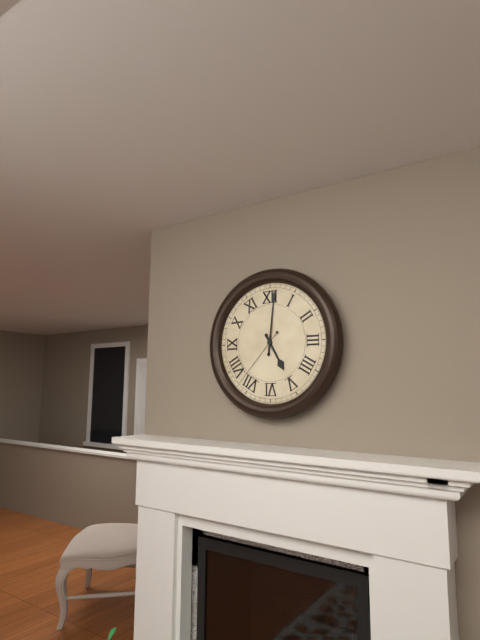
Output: 5.01.37
